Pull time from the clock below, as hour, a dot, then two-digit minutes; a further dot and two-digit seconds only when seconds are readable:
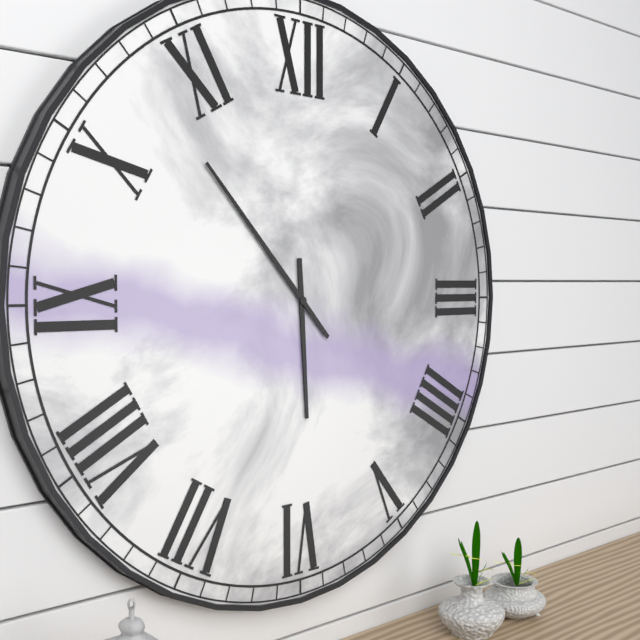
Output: 5.53
